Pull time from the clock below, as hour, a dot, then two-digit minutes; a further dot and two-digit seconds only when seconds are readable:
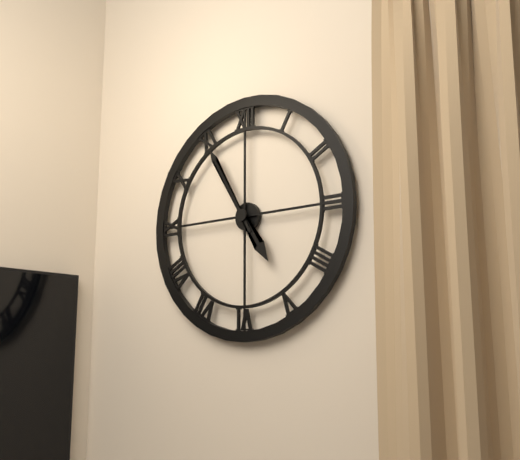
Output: 4.55
